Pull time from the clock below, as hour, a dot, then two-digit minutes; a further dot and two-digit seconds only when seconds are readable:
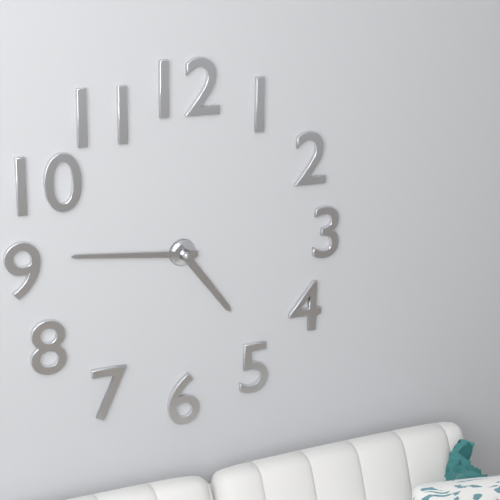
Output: 4.46
